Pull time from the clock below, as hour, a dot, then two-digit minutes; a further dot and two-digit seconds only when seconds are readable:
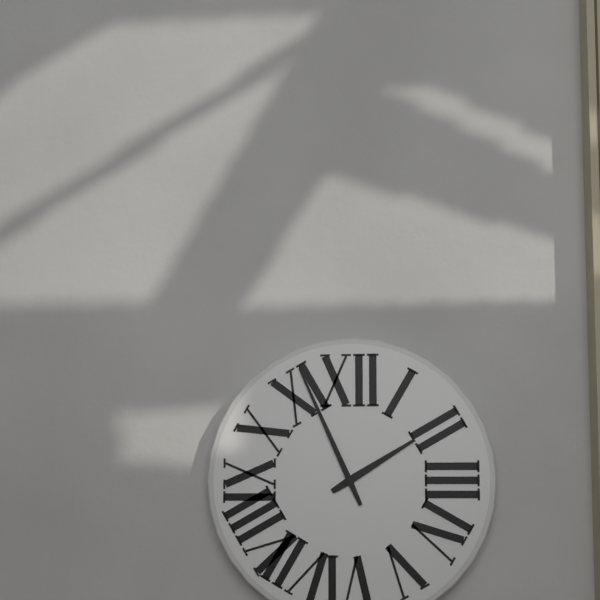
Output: 1.56
